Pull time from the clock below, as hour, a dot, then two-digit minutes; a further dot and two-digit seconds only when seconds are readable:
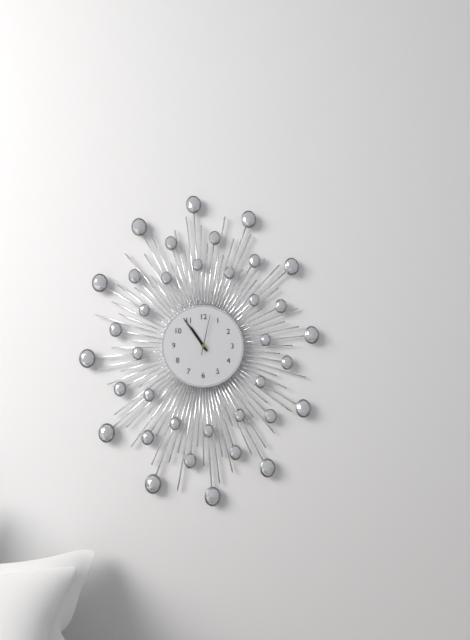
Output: 10.54
